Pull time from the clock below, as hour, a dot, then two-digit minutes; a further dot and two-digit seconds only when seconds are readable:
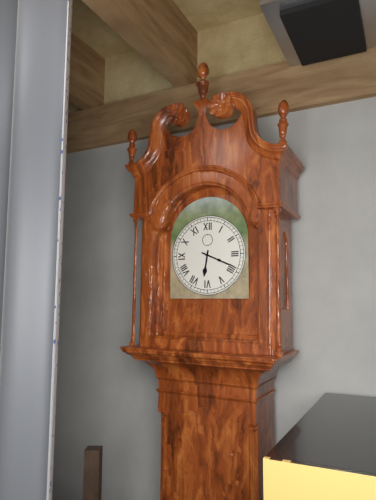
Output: 6.19
